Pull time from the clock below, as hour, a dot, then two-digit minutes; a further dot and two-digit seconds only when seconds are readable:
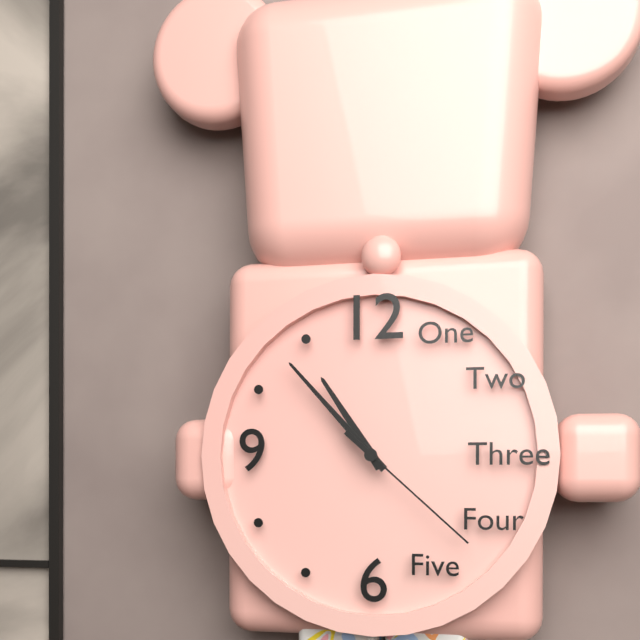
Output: 10.53.22
